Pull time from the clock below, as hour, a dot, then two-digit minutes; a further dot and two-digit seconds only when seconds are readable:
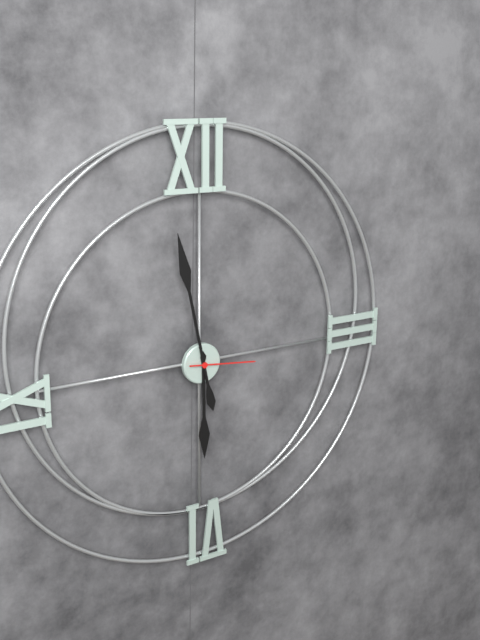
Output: 5.58.16
